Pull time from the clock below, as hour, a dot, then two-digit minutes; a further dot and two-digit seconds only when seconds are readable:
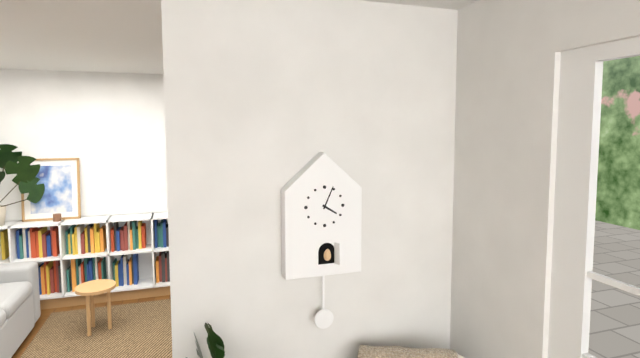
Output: 4.04
